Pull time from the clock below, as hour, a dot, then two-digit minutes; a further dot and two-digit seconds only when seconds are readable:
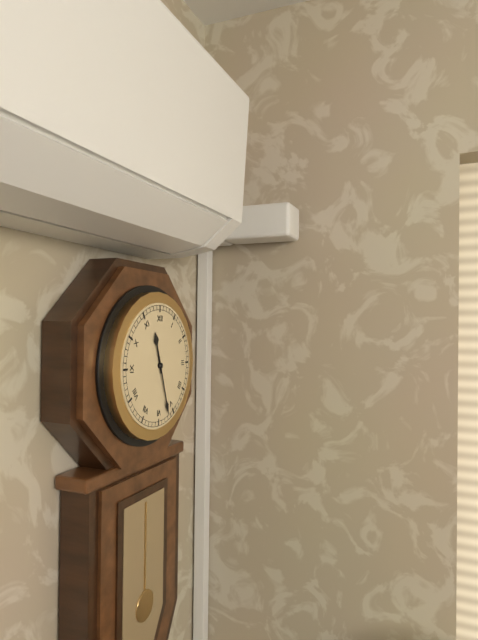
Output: 11.27
